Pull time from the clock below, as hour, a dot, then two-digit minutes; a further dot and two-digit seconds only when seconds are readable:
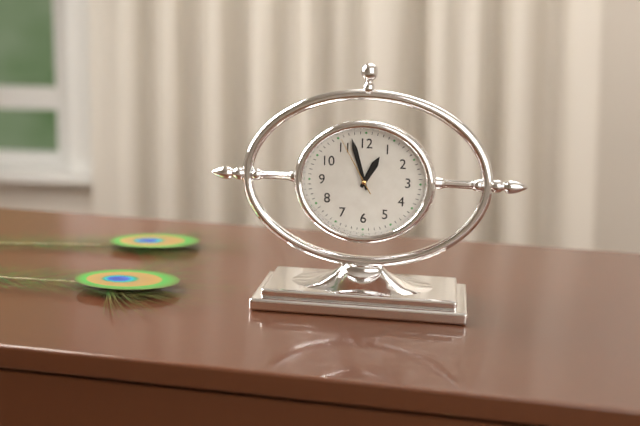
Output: 12.57.55
